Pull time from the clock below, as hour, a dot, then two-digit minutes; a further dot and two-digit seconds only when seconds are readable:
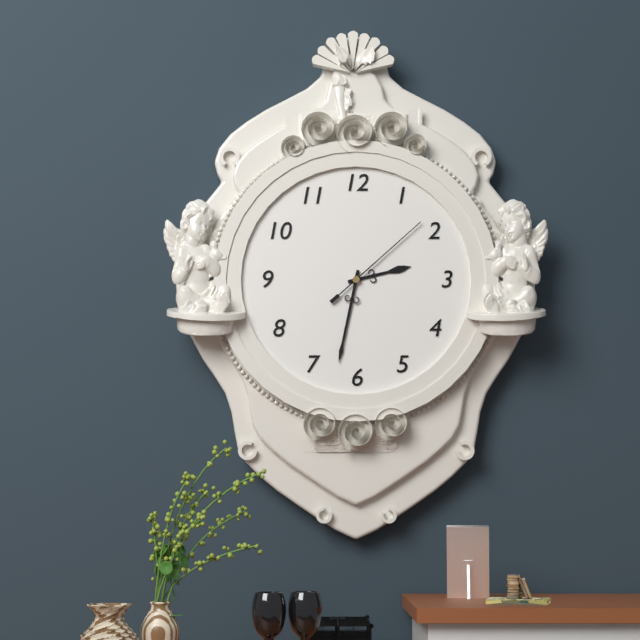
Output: 2.32.08
